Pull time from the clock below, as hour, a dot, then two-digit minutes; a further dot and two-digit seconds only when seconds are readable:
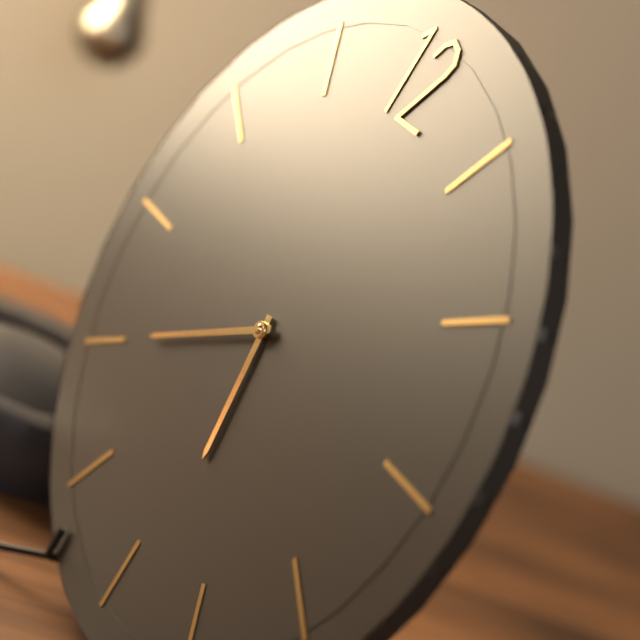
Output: 5.40
